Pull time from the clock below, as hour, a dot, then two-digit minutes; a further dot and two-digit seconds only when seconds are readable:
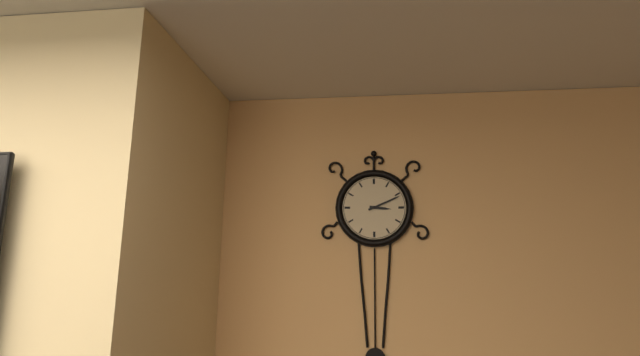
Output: 3.11
